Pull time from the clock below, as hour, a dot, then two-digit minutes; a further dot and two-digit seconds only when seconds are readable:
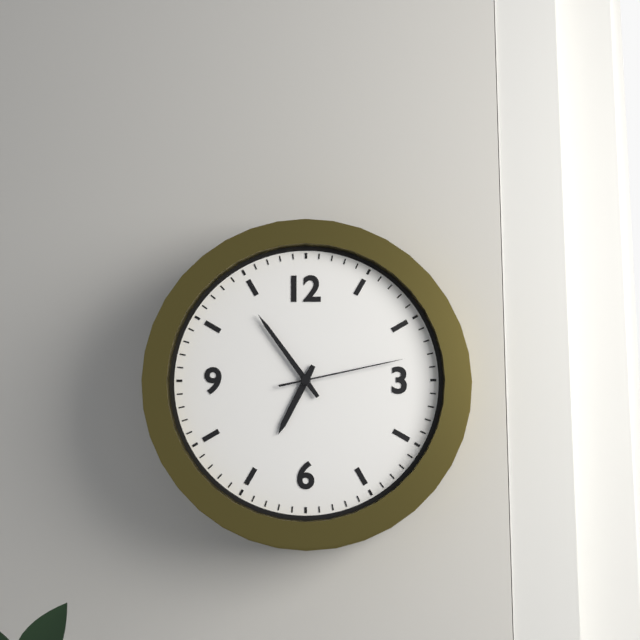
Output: 6.54.13
